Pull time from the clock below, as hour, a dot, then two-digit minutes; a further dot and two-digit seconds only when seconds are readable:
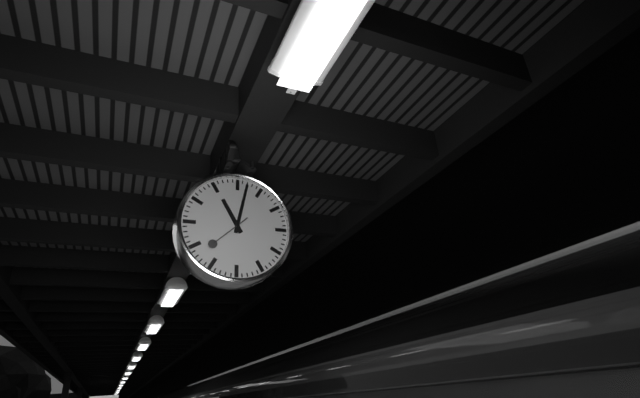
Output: 11.02
